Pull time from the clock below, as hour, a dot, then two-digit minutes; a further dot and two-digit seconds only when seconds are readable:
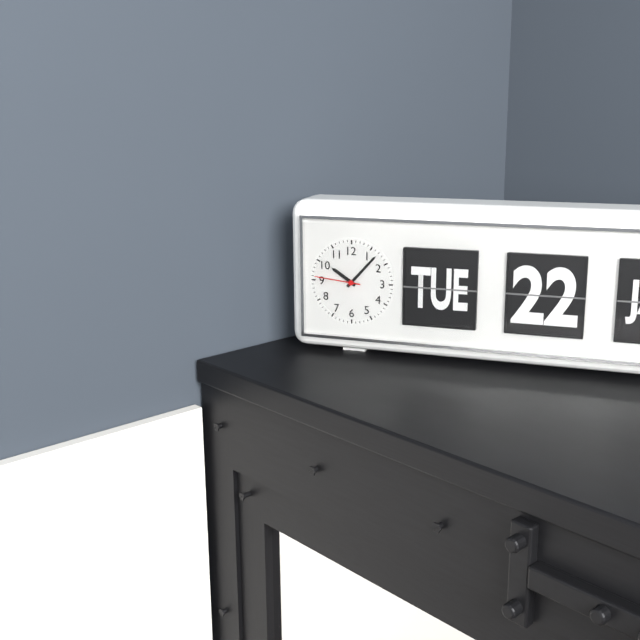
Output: 10.07.46
